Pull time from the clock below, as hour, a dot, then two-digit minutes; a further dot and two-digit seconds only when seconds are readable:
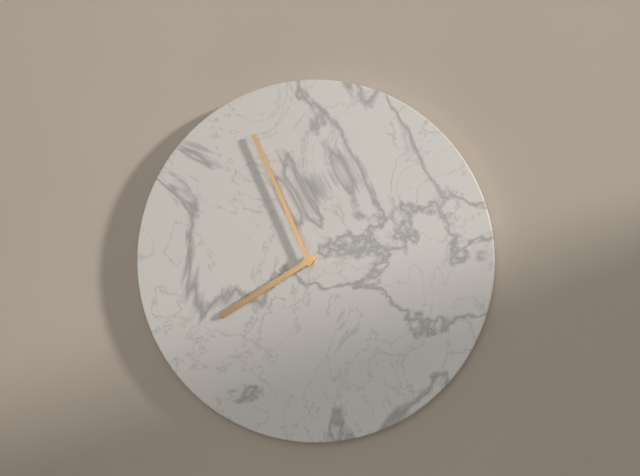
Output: 7.56
